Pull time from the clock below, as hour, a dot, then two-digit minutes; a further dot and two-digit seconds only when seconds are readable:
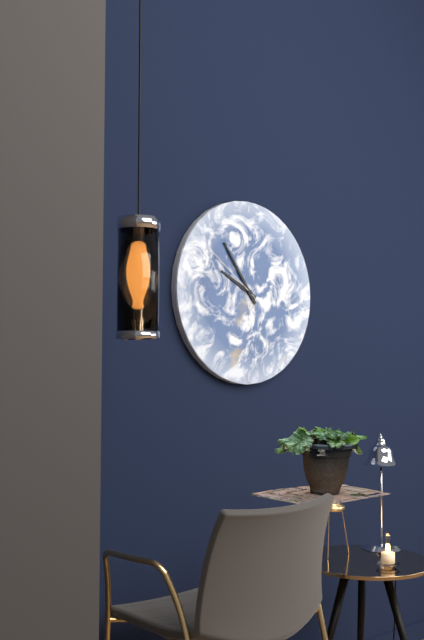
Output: 9.54.51
